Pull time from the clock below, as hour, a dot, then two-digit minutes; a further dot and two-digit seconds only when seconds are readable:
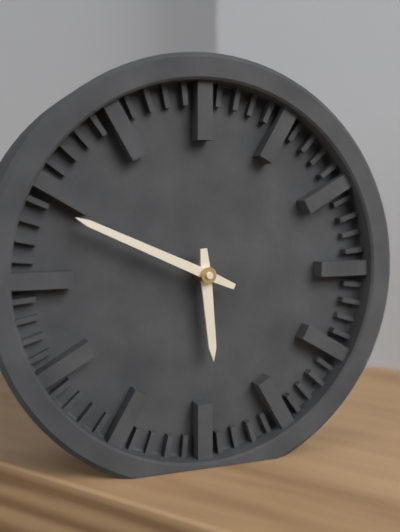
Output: 5.49
